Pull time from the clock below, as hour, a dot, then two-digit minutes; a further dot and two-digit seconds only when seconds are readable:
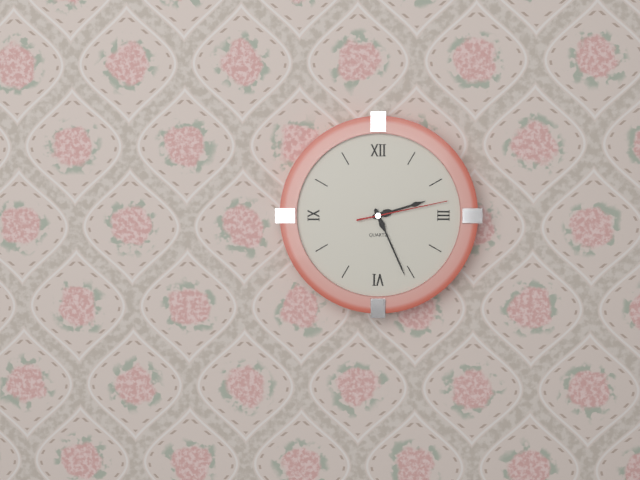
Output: 2.26.13
